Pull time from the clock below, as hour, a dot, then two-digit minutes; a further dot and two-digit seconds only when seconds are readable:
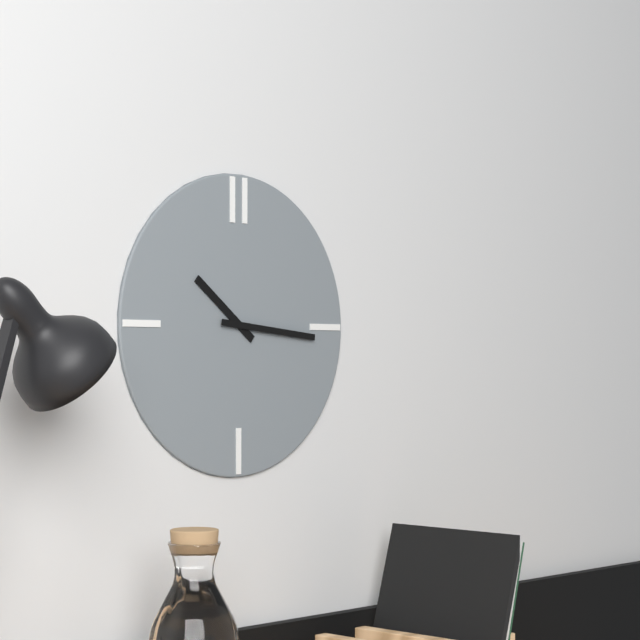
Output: 10.16
